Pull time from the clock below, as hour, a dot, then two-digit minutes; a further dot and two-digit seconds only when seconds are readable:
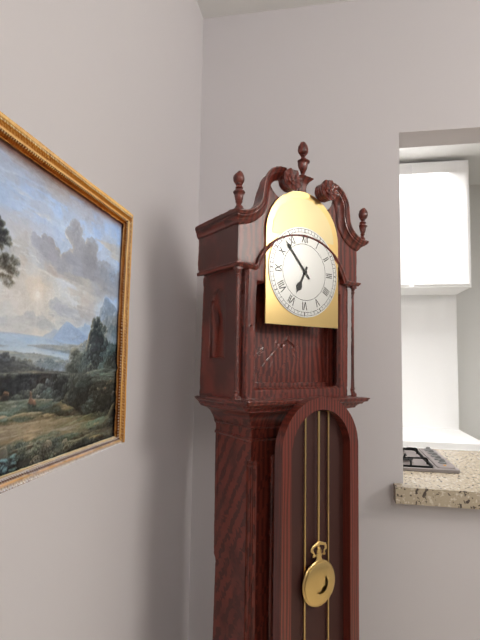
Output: 6.53
